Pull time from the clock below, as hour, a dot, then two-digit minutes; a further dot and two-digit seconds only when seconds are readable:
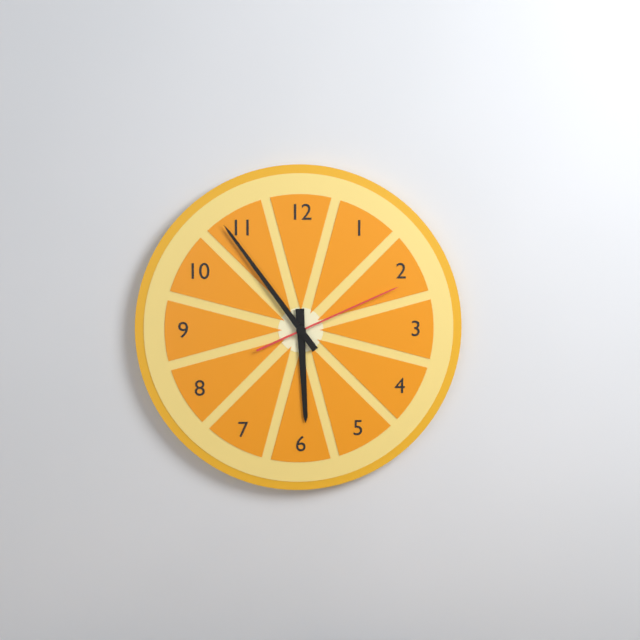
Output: 5.54.11
